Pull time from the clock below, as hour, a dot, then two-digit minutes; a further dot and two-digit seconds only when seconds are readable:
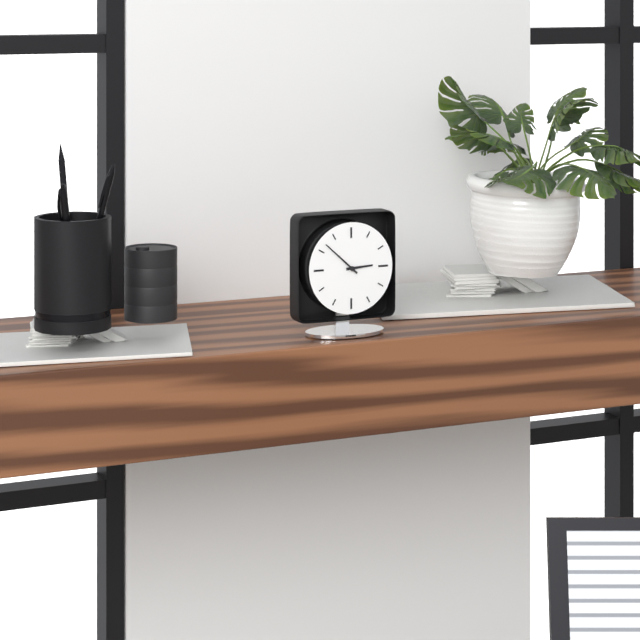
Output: 2.52
